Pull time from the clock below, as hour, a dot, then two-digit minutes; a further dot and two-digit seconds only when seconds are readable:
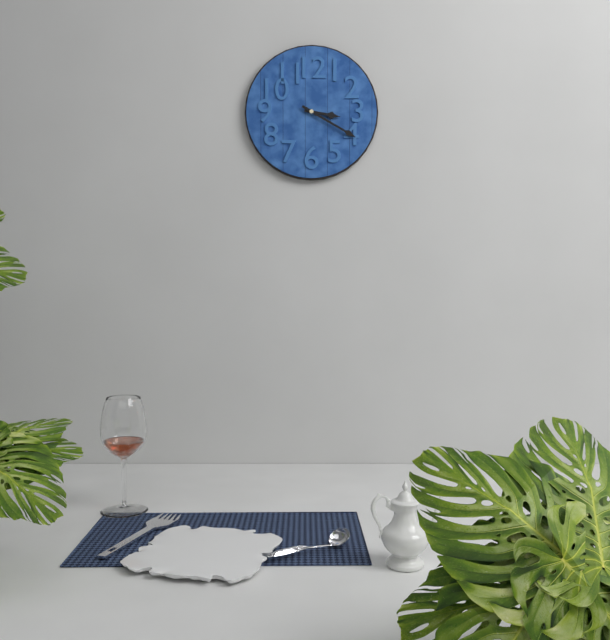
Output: 3.20
